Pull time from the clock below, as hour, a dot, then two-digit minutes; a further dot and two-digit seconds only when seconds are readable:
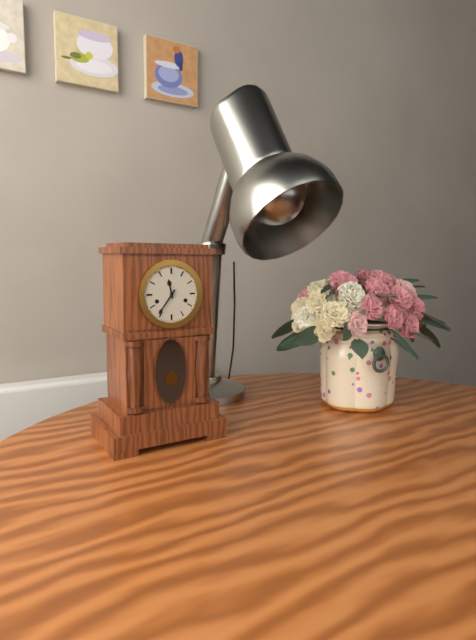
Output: 11.36
